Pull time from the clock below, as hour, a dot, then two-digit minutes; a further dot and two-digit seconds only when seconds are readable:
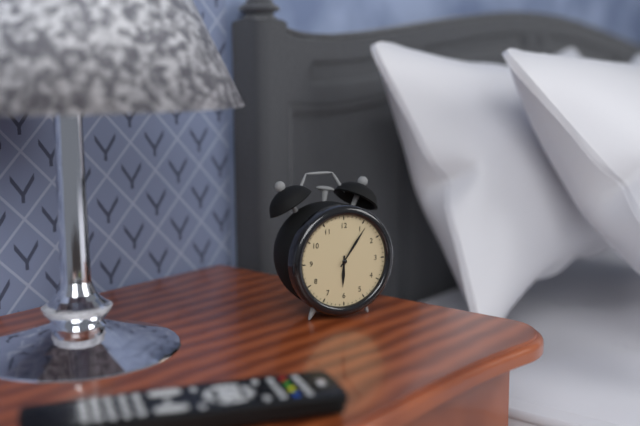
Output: 6.06
